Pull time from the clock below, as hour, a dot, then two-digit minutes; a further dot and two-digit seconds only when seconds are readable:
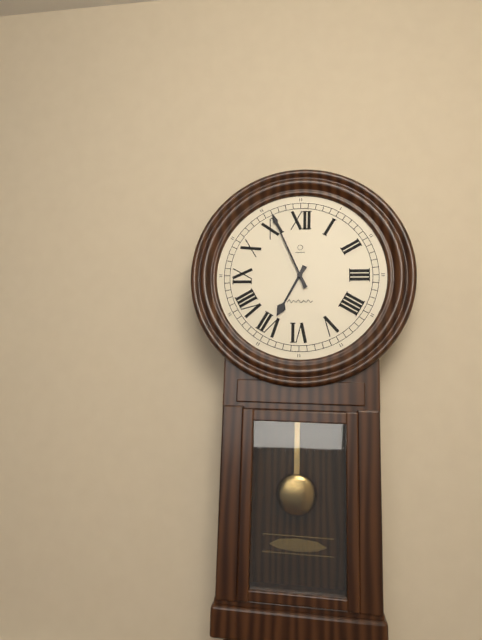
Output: 6.56
